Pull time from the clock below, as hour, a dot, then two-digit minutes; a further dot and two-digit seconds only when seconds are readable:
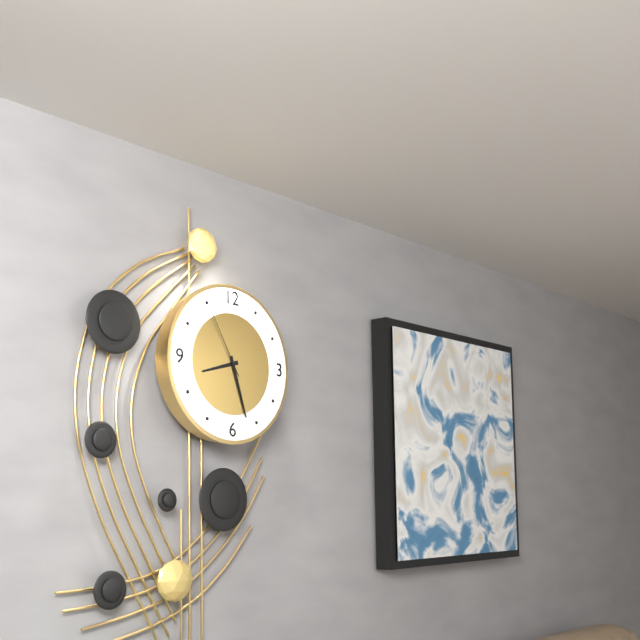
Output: 8.27.55
